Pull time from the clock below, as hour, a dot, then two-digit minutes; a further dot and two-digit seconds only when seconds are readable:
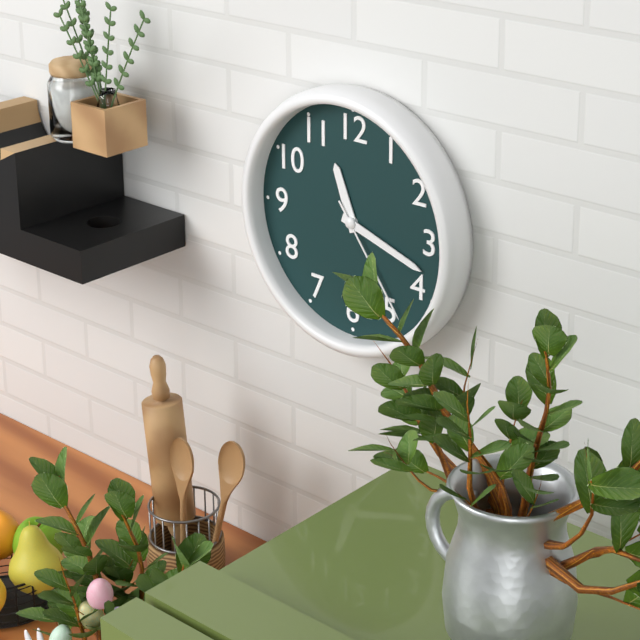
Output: 11.18.24
